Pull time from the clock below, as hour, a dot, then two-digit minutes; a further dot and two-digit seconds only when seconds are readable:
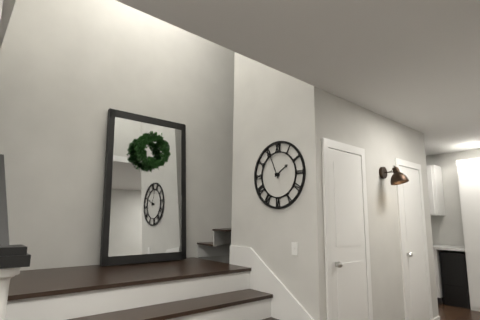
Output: 1.56
